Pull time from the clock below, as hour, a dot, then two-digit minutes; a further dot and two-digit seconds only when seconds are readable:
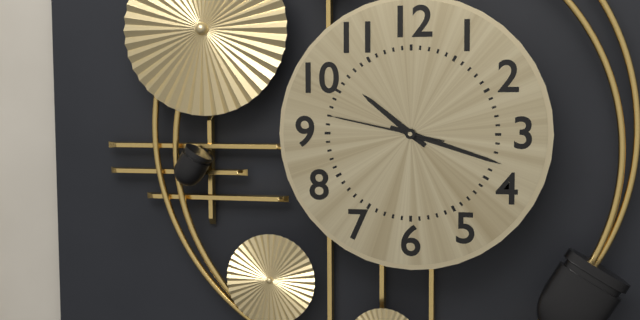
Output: 10.18.47
